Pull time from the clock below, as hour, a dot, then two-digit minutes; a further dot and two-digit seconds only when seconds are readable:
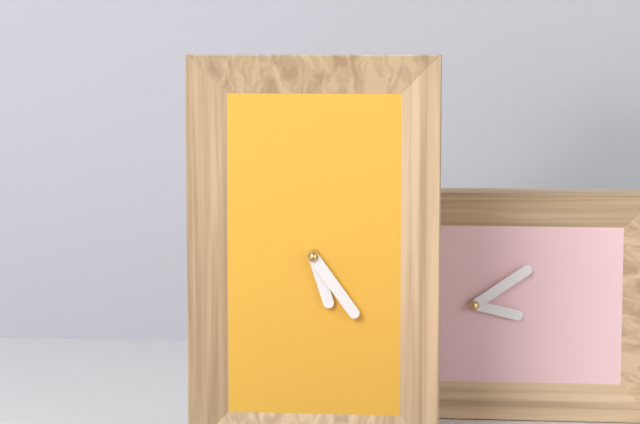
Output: 5.24
